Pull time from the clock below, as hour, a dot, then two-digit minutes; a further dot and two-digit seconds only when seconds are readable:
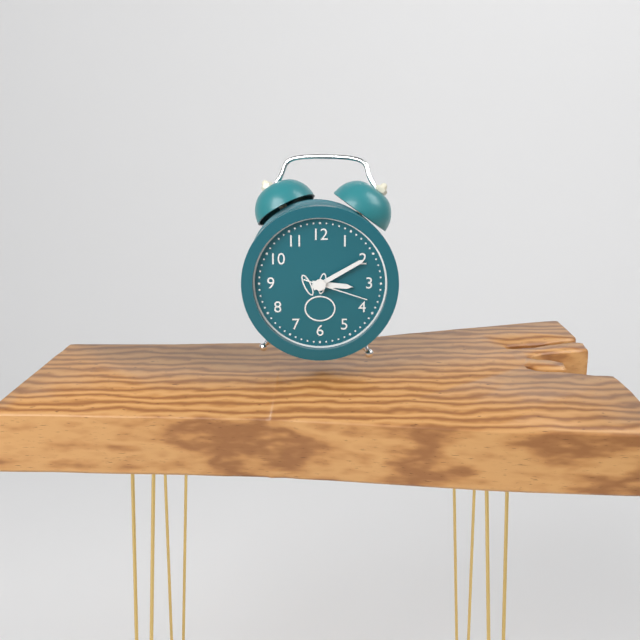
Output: 3.10.18
